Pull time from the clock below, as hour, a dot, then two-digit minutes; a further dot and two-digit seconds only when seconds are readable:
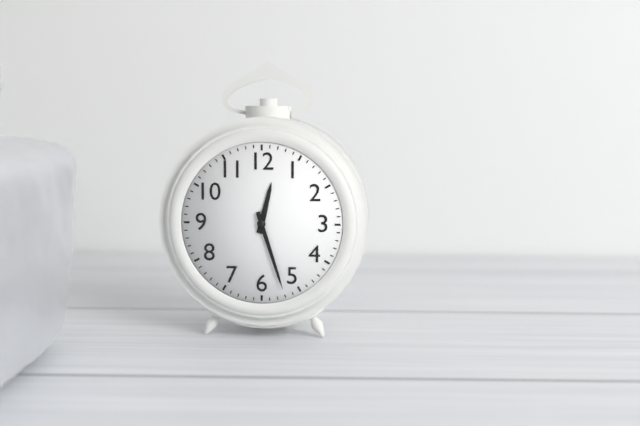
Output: 12.27
